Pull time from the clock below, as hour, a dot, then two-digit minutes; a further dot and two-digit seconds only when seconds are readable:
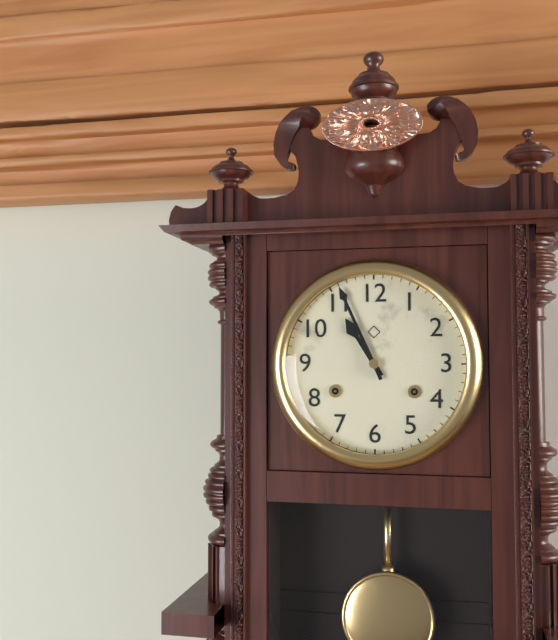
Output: 10.56
